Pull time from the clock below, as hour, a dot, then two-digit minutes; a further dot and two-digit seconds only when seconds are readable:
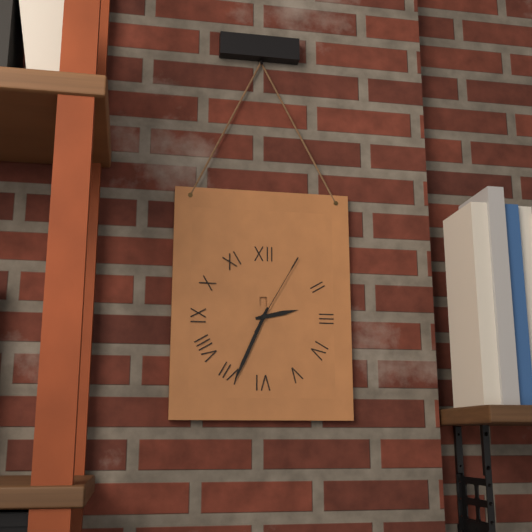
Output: 2.34.05
